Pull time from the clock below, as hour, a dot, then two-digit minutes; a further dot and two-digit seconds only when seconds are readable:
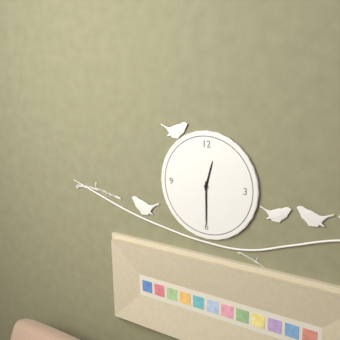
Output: 12.30
